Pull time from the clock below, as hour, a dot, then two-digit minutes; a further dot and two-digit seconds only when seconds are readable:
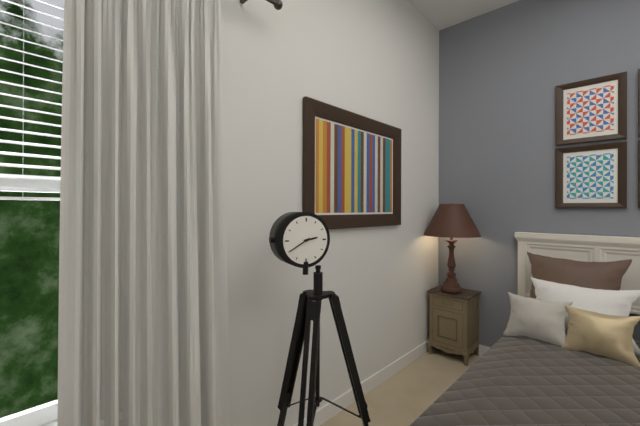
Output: 2.40
